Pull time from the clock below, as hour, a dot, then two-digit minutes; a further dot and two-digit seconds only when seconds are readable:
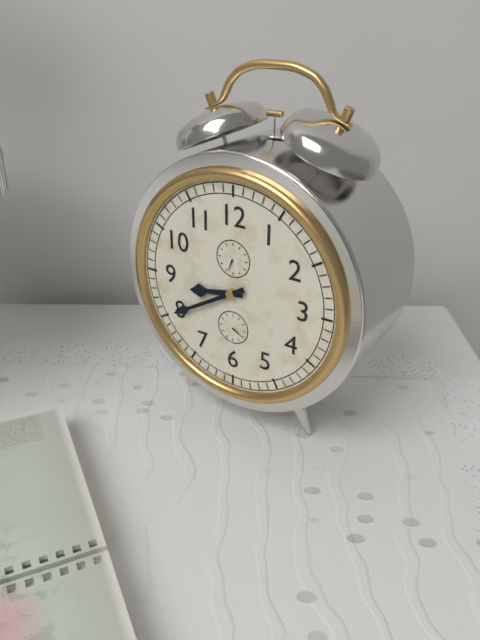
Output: 8.40
